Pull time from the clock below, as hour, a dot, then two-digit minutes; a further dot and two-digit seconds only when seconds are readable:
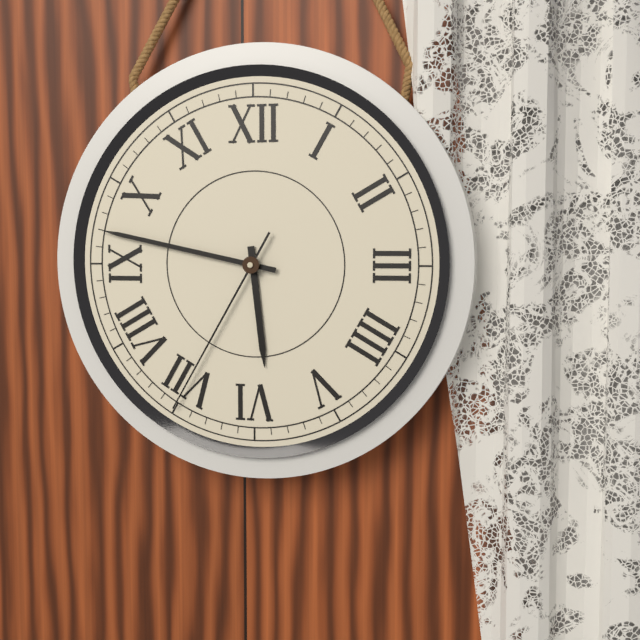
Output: 5.47.35
